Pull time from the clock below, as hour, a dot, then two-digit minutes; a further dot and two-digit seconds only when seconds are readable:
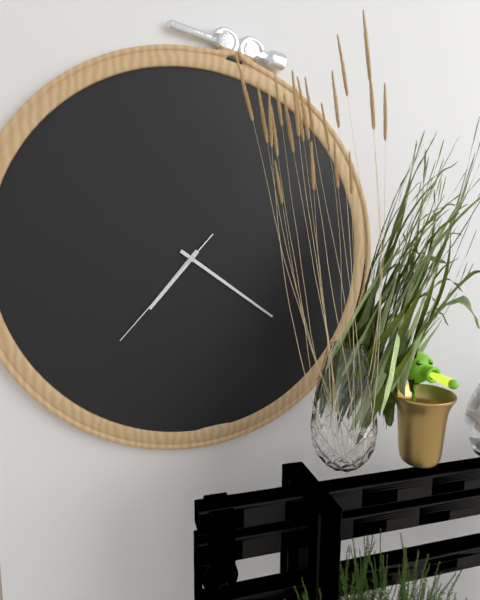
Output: 7.21.37
